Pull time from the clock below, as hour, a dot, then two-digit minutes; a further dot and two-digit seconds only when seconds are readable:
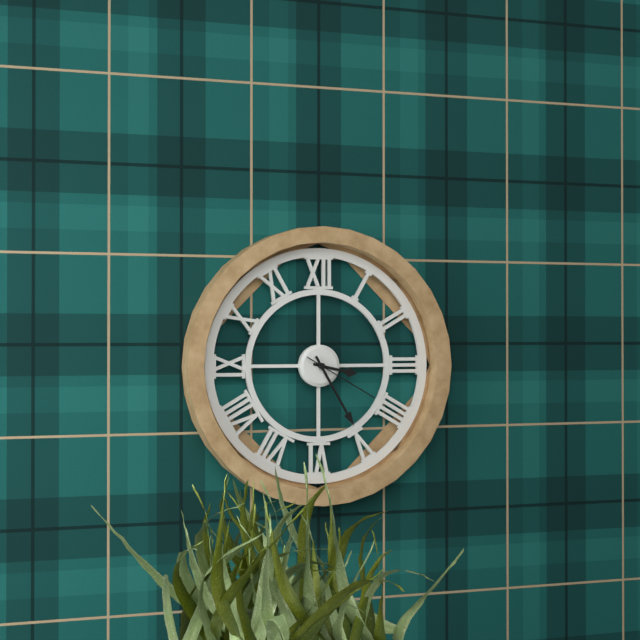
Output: 3.25.20
